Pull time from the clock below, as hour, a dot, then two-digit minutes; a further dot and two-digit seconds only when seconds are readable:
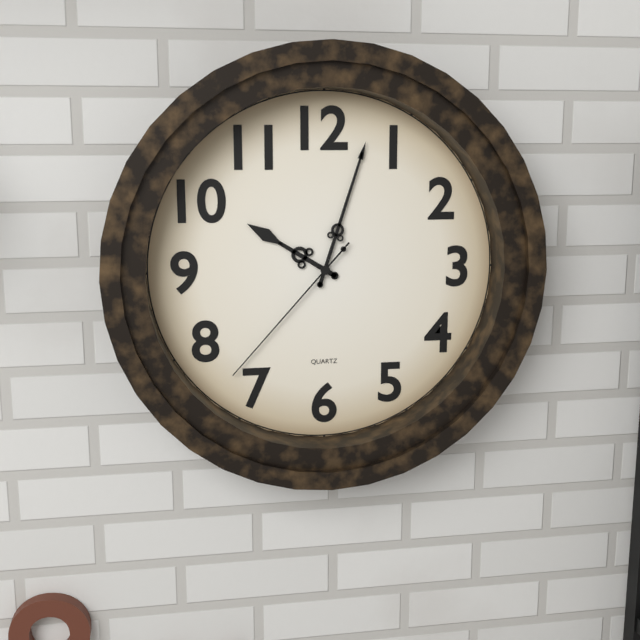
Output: 10.03.37
